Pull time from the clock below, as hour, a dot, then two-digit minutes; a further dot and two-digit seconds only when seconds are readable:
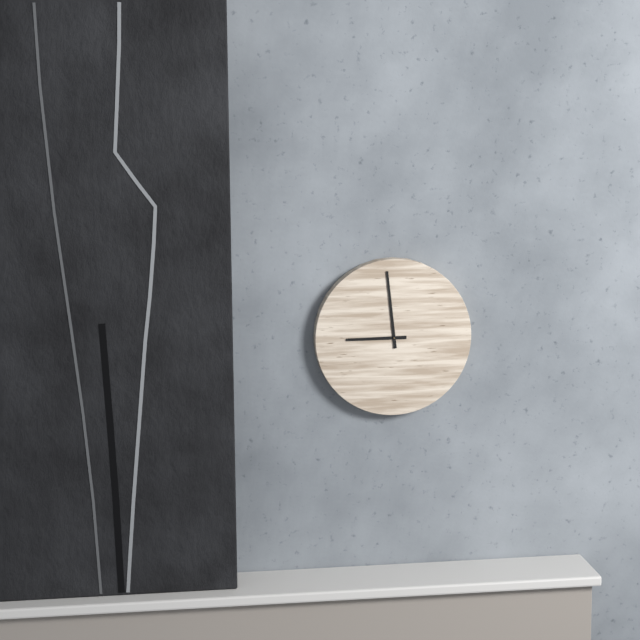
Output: 8.59
